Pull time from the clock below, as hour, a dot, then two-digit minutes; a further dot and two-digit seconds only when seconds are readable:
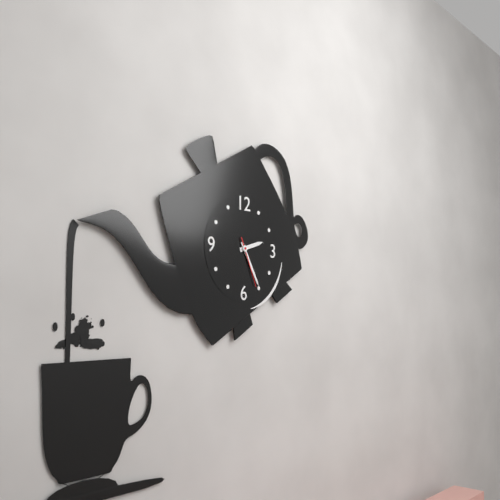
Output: 2.25.26
